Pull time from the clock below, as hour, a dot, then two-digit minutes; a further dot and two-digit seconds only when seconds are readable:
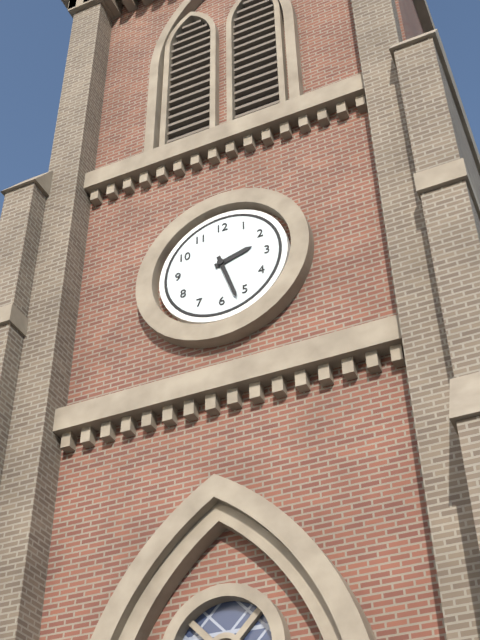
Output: 2.27
